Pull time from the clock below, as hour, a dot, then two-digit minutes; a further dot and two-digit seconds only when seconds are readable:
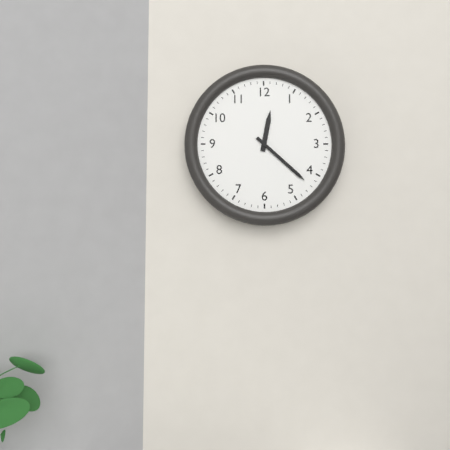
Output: 12.22
